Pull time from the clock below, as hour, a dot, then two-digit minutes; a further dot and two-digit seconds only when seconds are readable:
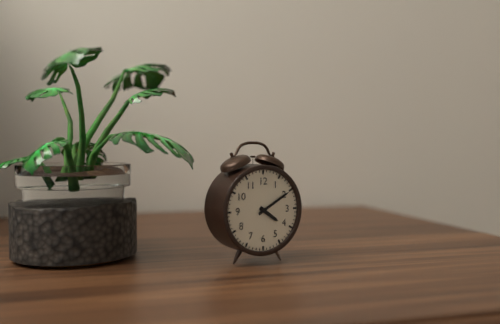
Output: 4.10
